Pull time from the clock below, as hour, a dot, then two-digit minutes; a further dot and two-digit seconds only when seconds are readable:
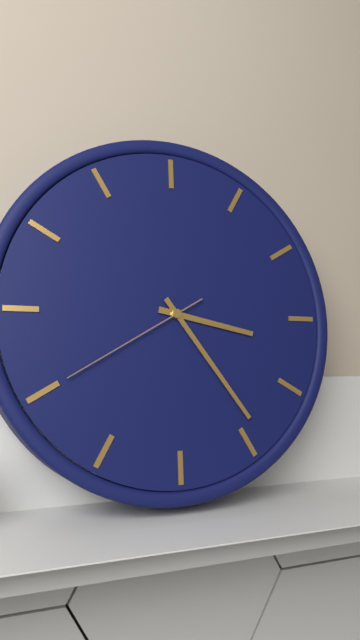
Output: 3.24.40
